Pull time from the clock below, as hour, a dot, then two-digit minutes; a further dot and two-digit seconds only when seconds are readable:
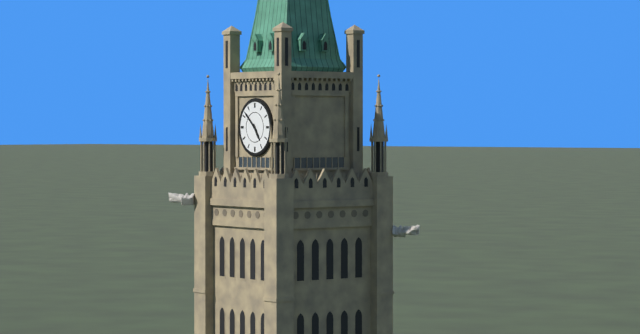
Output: 4.52
